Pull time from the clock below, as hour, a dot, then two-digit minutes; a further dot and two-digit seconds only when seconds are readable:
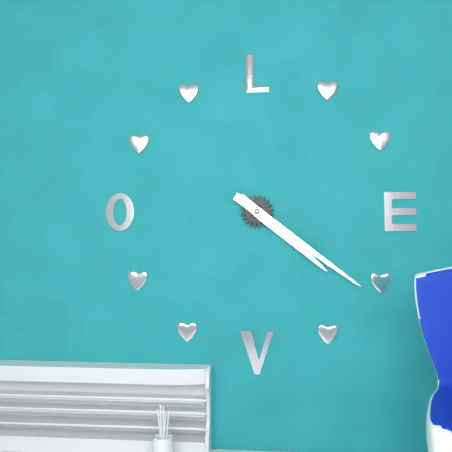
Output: 4.21
